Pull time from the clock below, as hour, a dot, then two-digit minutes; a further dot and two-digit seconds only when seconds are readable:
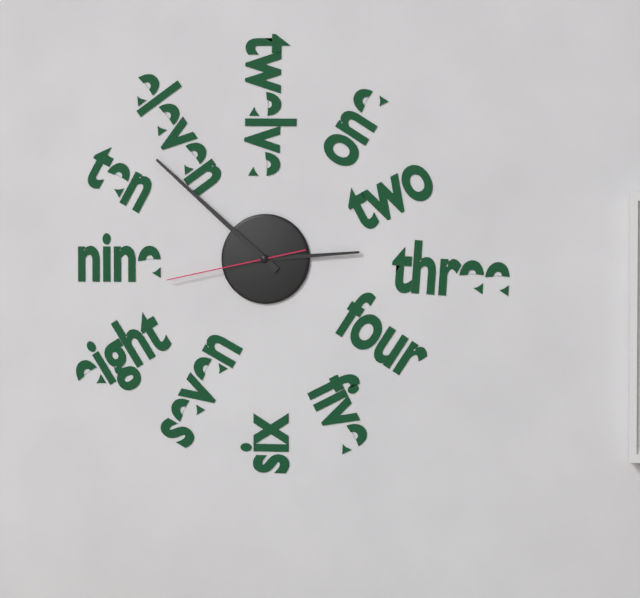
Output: 2.52.43
